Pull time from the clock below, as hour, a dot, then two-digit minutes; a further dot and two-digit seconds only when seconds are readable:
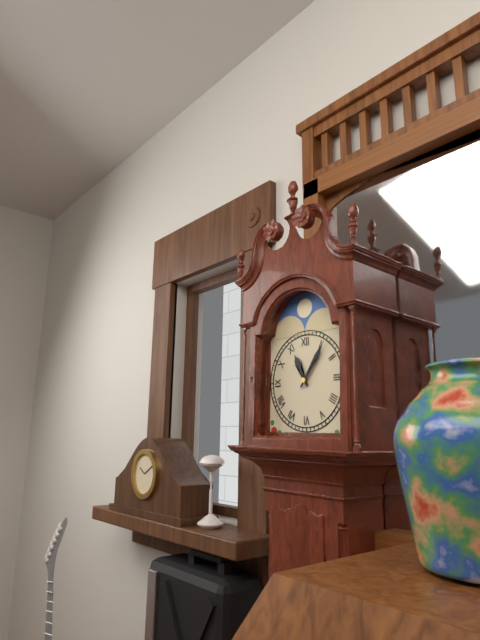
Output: 11.06
